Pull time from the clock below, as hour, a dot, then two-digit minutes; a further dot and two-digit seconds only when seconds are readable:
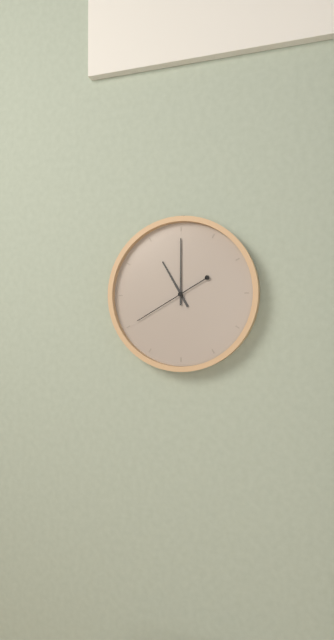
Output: 11.00.40
